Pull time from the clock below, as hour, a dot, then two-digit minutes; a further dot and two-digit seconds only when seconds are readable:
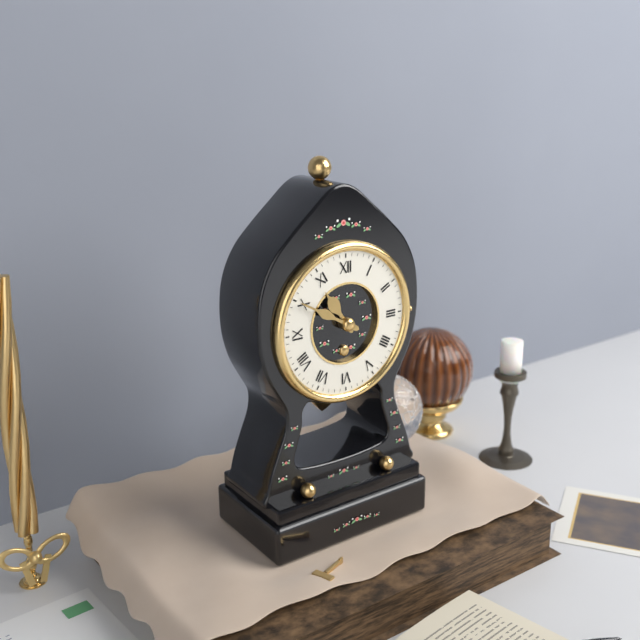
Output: 10.50
